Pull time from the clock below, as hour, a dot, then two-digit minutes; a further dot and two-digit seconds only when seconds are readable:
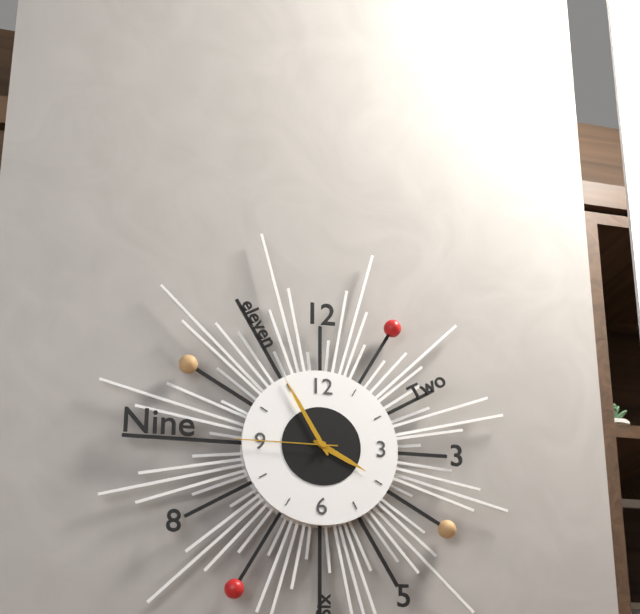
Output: 3.55.45
